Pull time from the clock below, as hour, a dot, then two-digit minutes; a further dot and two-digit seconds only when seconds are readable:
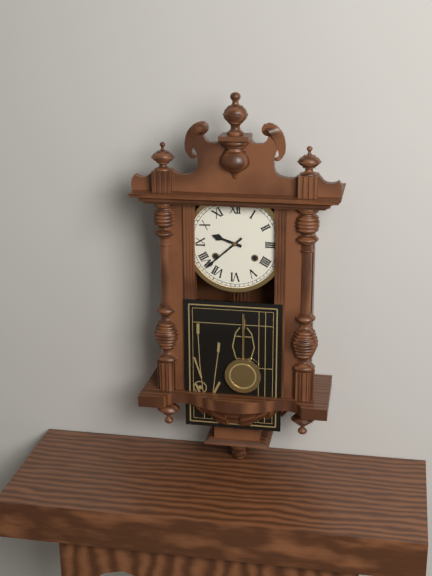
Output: 9.38
